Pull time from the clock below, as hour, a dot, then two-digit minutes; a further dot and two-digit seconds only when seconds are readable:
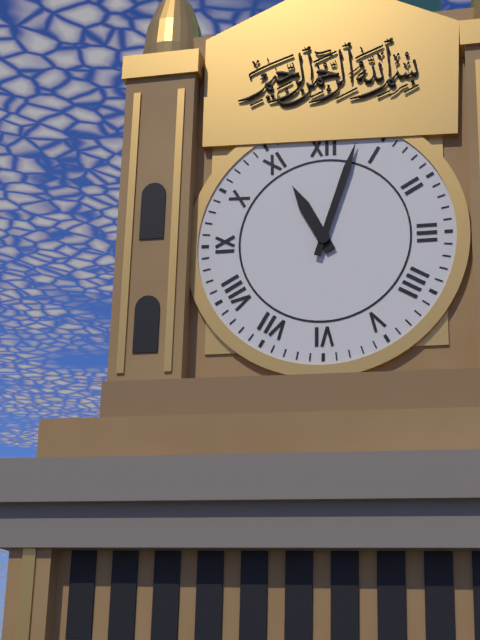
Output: 11.03
